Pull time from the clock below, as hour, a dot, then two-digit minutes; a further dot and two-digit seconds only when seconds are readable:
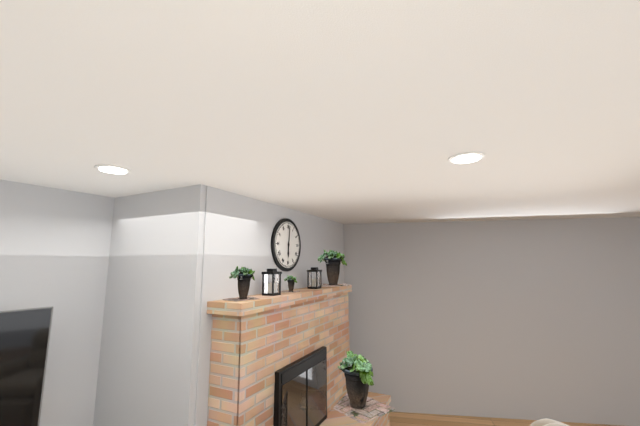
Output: 6.01
